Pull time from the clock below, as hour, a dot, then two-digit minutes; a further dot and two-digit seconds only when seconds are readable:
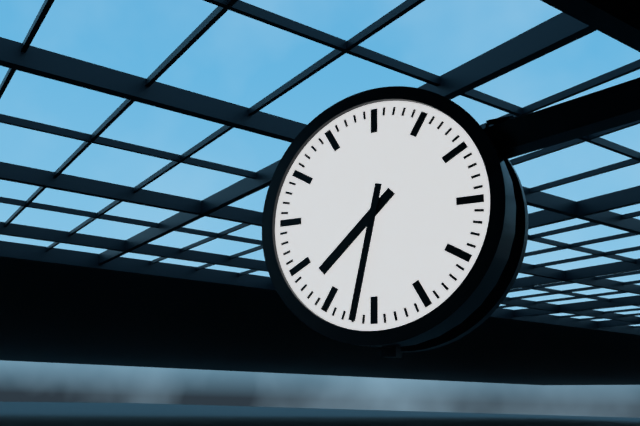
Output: 7.32
